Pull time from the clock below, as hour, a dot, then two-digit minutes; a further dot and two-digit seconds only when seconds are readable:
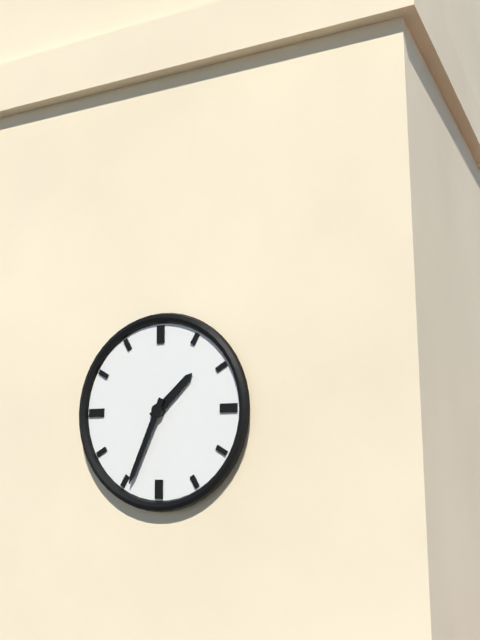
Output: 1.34
